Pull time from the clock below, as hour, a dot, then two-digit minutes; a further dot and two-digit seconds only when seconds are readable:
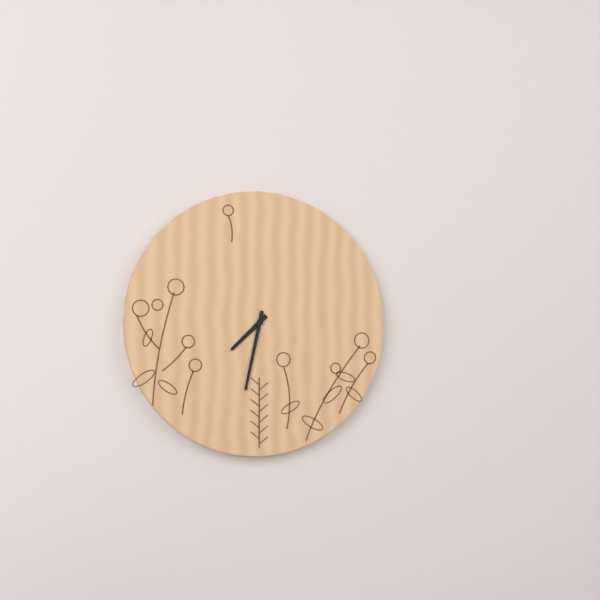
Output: 7.32
